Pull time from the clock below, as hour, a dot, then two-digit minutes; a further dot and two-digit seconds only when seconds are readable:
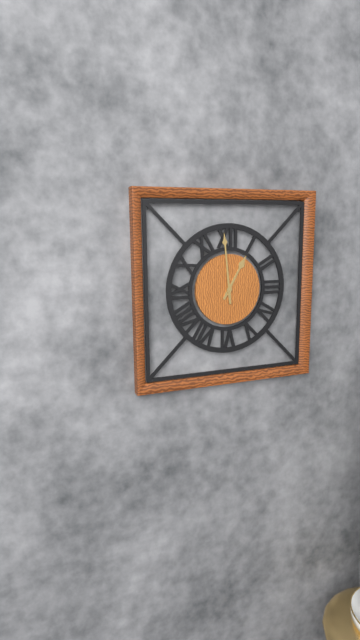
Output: 12.59
